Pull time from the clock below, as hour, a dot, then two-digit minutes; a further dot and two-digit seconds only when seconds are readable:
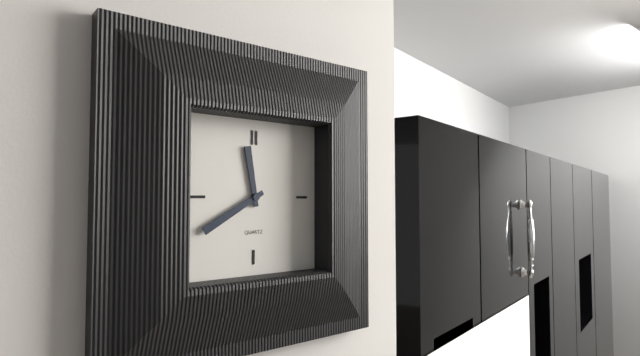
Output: 11.40
